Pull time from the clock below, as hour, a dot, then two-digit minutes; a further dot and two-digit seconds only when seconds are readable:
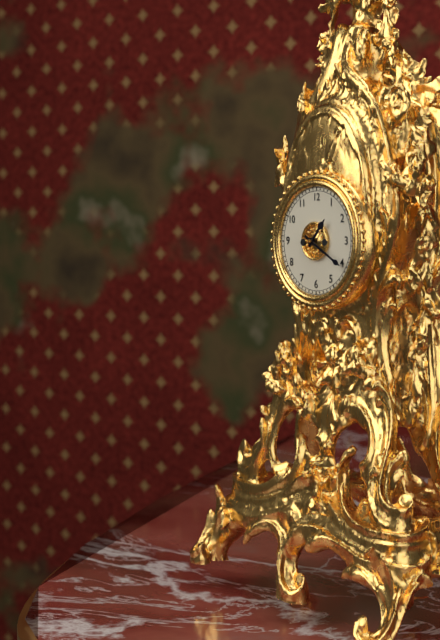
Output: 1.20
